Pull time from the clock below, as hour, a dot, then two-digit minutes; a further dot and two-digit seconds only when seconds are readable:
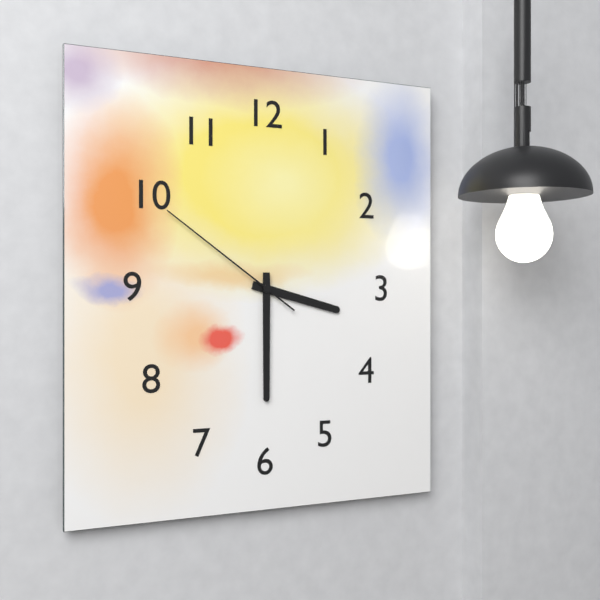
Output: 3.30.51
